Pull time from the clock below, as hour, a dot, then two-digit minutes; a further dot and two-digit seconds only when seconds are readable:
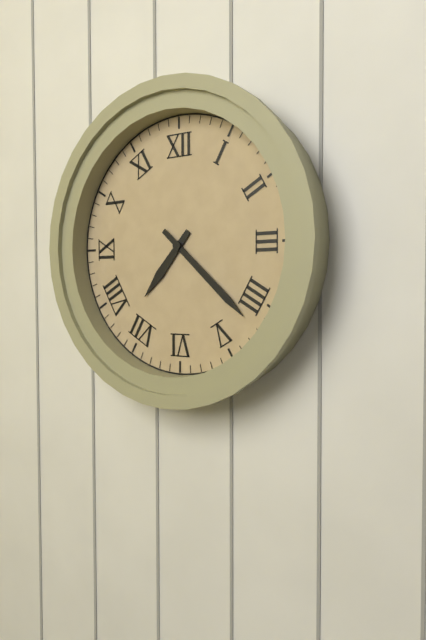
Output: 7.22
